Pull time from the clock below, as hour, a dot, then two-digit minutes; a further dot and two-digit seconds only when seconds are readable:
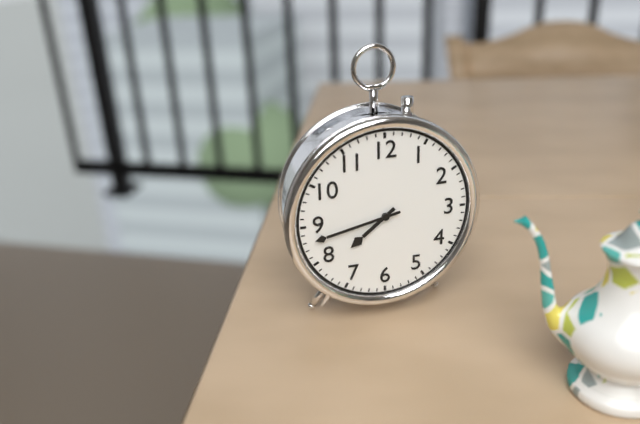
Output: 7.43
